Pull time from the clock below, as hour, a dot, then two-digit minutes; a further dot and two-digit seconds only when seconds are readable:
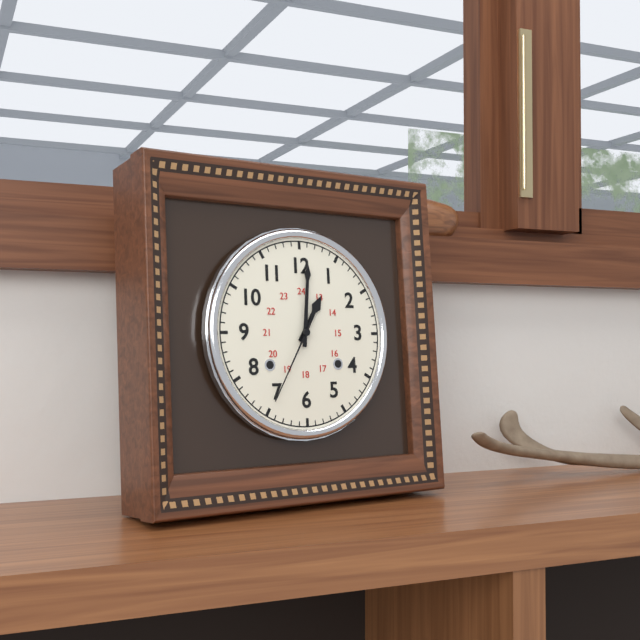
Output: 1.01.35
